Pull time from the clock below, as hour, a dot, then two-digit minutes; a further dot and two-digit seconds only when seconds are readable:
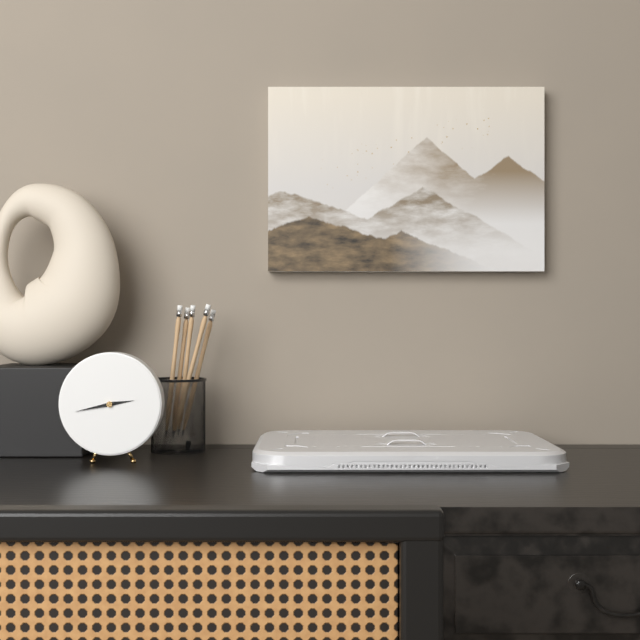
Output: 2.43
